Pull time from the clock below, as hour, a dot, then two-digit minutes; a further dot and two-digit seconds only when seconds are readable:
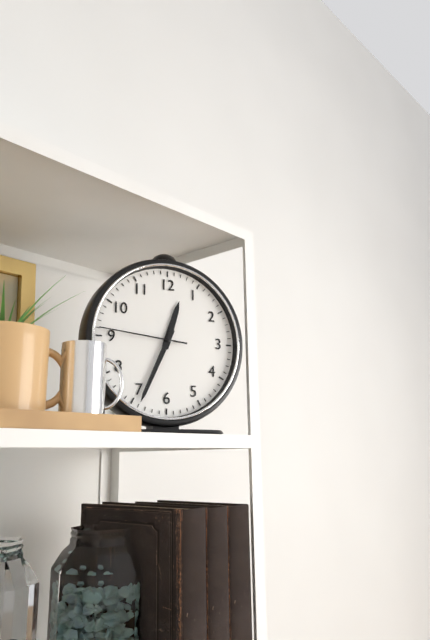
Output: 12.34.46
